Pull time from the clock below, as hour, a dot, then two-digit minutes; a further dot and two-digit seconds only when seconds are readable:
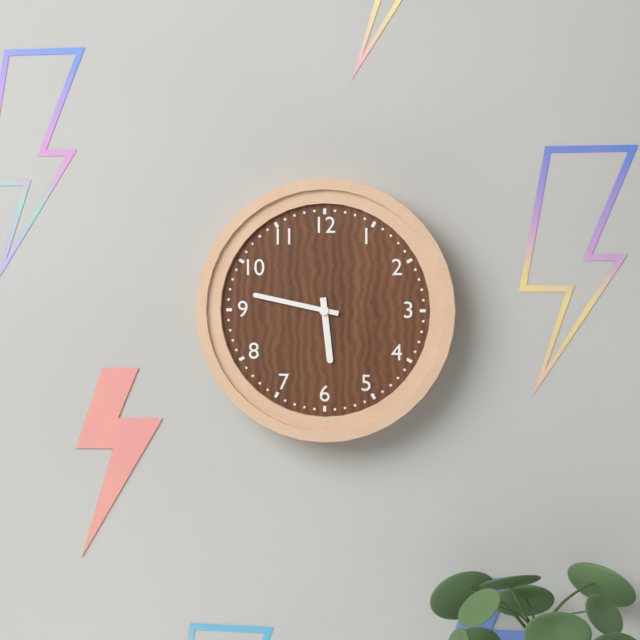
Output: 5.47
